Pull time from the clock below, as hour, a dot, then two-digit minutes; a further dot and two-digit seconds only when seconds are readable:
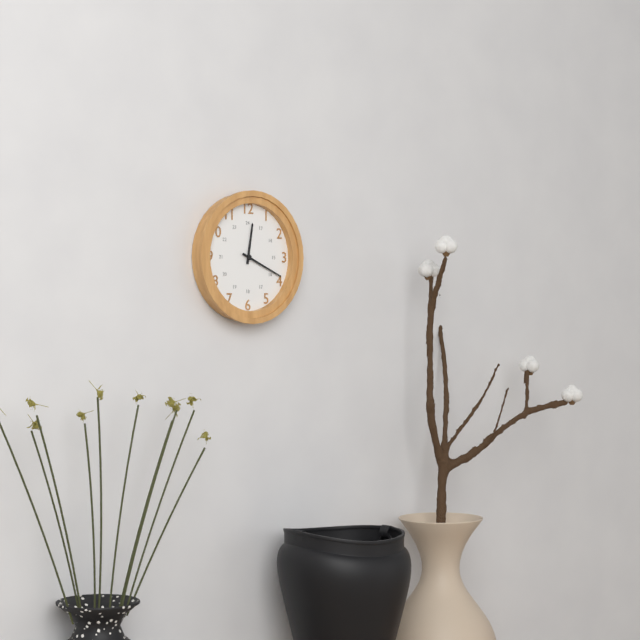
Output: 12.19
